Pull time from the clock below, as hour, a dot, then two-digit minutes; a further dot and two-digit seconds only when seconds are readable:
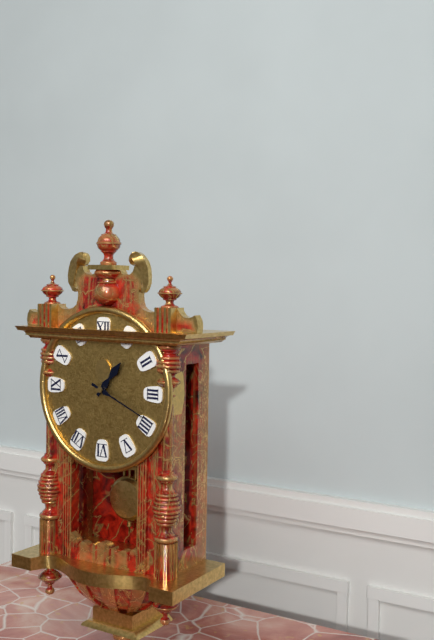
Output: 1.19
